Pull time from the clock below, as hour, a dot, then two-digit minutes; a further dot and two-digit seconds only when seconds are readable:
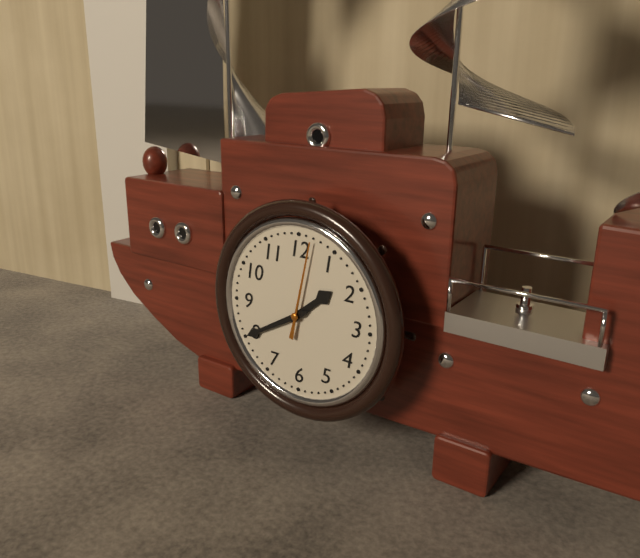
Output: 1.40.02
